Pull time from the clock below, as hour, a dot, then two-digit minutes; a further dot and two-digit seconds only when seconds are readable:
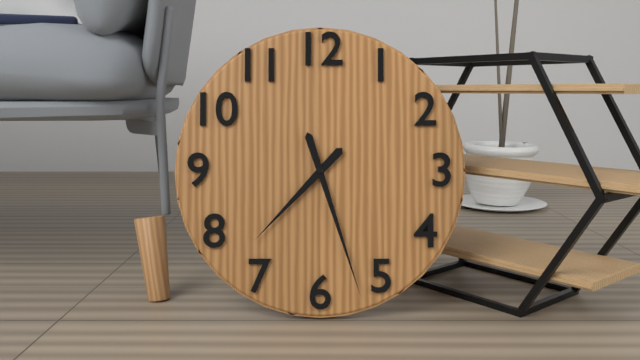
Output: 7.27
